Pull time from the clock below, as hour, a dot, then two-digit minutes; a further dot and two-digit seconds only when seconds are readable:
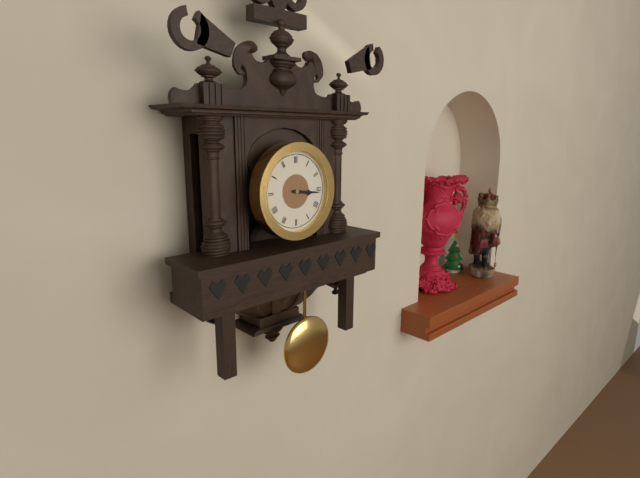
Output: 3.16
